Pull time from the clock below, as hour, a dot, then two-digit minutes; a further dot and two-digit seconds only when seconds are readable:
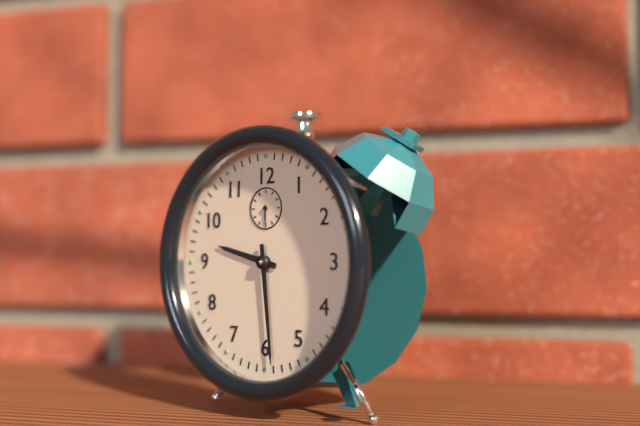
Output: 9.29
